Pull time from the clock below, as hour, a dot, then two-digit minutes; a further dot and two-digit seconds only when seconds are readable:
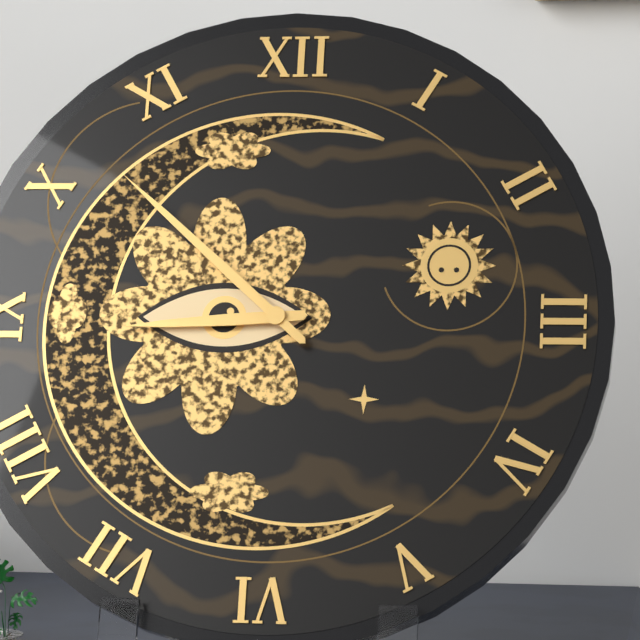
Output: 8.52
